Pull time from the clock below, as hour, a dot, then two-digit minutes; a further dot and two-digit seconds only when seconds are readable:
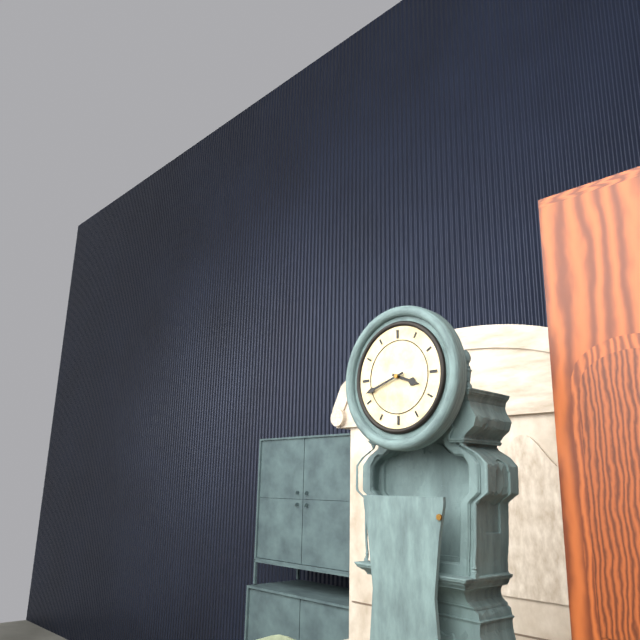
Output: 3.42
